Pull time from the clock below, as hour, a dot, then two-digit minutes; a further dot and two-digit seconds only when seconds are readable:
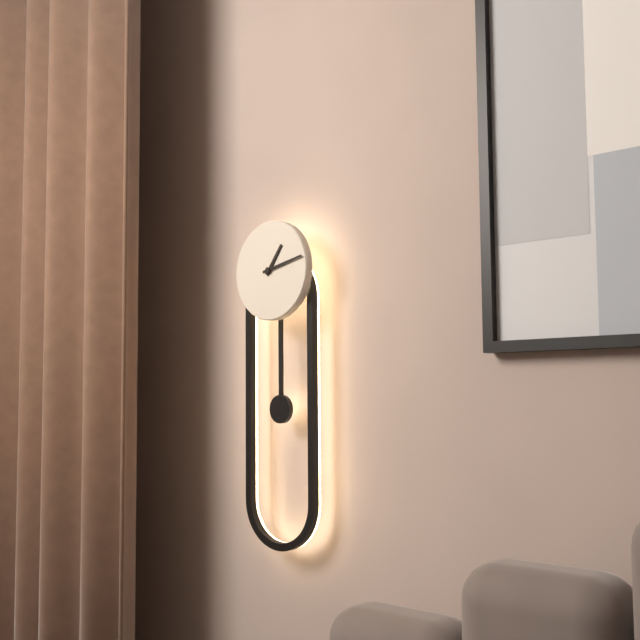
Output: 1.13
